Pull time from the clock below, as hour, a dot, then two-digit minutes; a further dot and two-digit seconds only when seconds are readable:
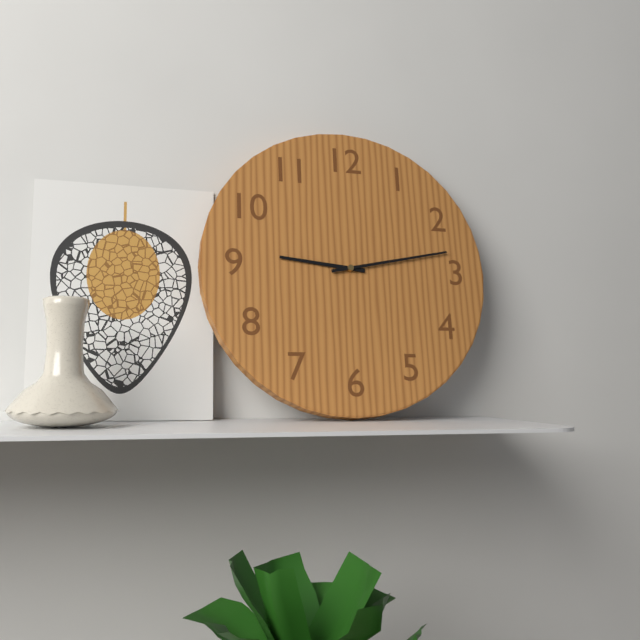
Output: 9.13
